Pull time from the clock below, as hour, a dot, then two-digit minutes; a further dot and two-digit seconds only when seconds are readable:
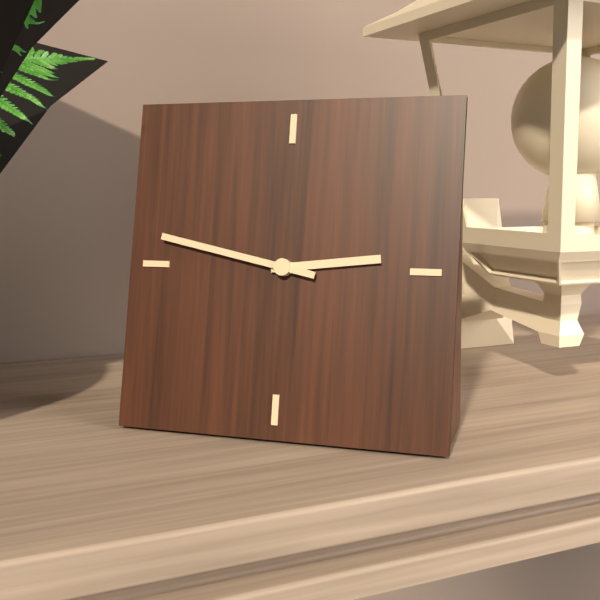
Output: 2.47
